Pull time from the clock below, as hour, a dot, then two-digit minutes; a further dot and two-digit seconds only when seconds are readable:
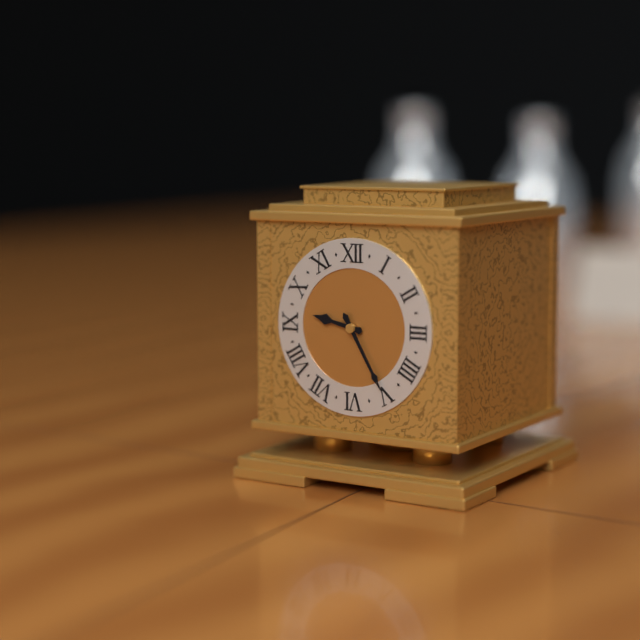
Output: 9.25
